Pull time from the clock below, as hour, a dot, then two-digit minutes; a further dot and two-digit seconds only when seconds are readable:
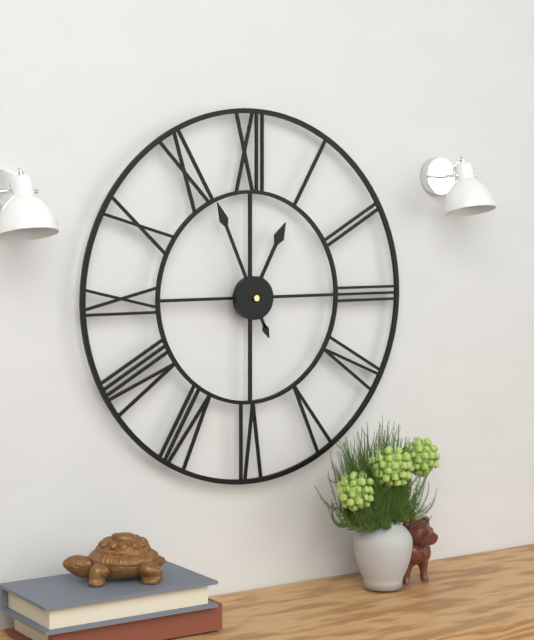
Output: 12.56
